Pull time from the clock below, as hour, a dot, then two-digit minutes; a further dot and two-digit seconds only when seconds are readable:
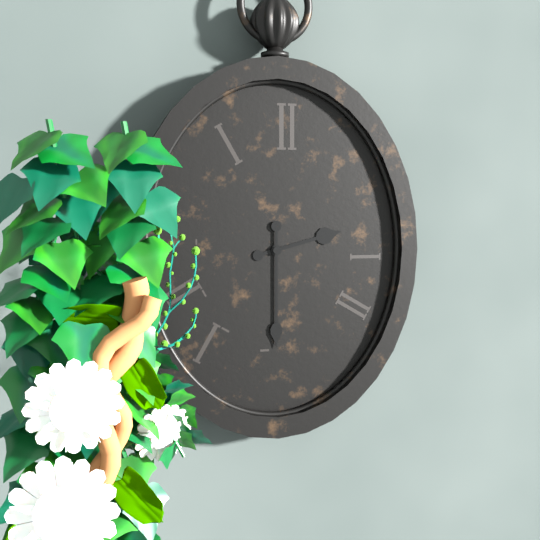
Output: 2.30
